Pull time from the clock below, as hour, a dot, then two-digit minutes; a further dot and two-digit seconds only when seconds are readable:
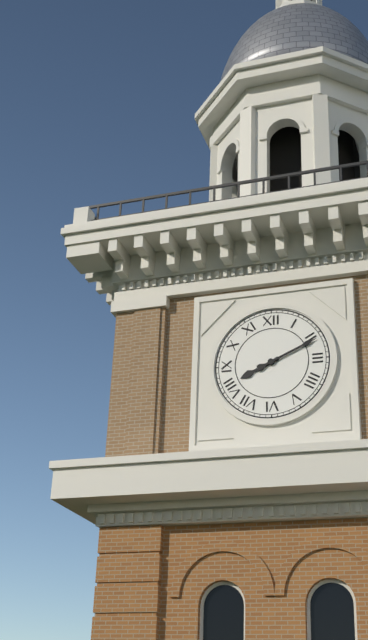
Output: 8.11
